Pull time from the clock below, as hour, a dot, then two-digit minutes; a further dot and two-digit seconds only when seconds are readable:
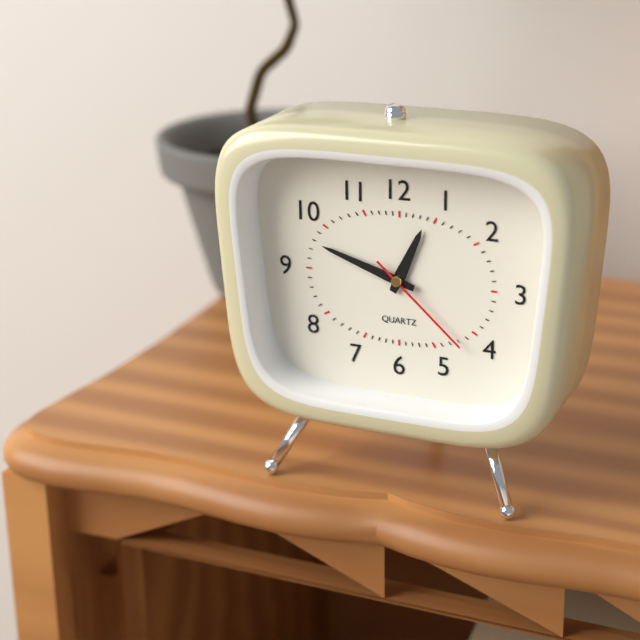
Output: 12.48.22
